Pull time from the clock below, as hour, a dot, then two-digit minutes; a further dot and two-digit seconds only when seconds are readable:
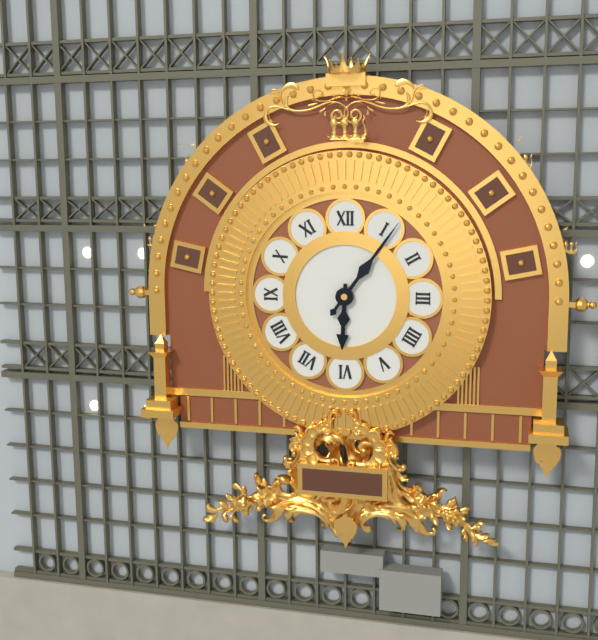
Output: 6.06
